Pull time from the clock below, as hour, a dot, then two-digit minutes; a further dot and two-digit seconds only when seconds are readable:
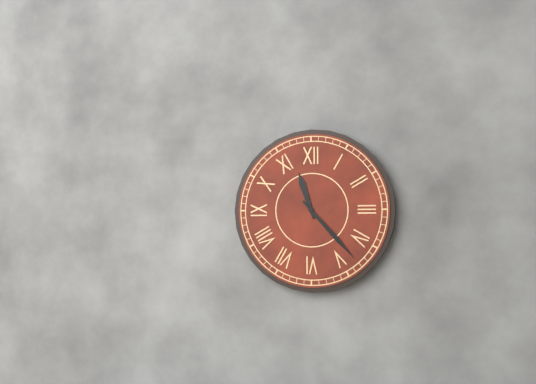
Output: 11.23
